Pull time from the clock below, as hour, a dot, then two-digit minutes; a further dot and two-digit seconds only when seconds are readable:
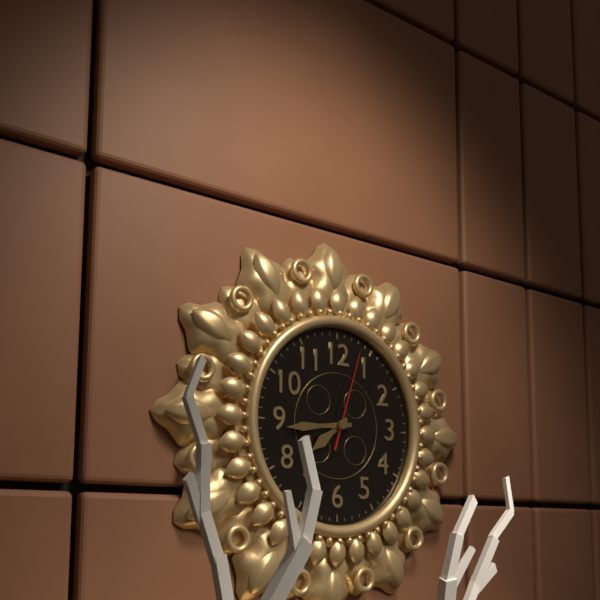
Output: 7.44.03
